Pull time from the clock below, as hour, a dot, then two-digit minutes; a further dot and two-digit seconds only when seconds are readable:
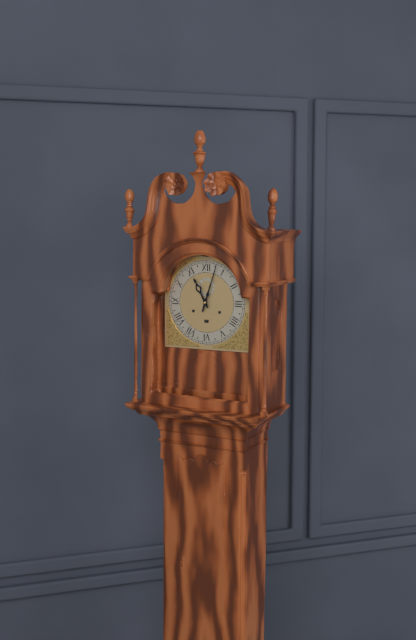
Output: 11.03
